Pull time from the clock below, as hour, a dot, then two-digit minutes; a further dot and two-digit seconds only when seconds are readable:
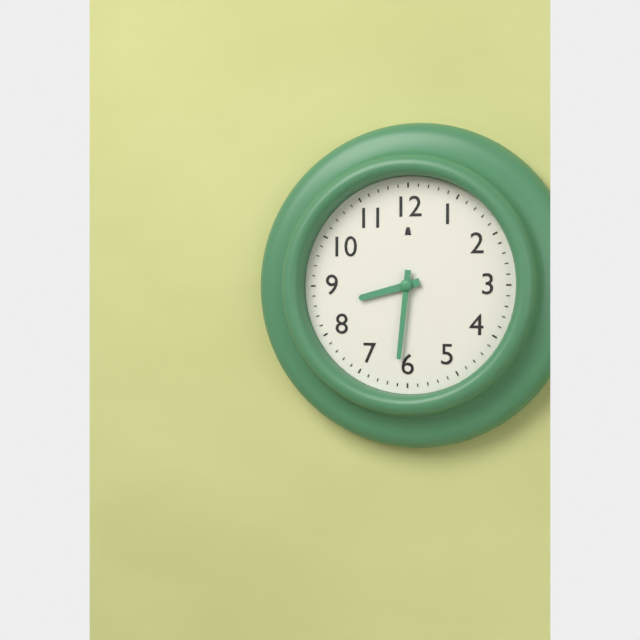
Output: 8.31
